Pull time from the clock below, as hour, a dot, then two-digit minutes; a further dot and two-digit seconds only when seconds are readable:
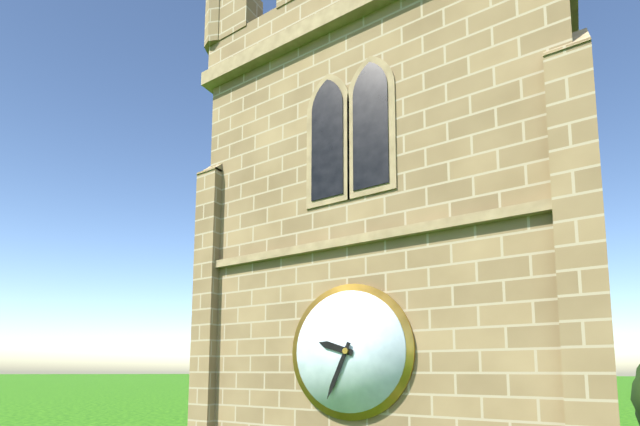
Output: 9.34
